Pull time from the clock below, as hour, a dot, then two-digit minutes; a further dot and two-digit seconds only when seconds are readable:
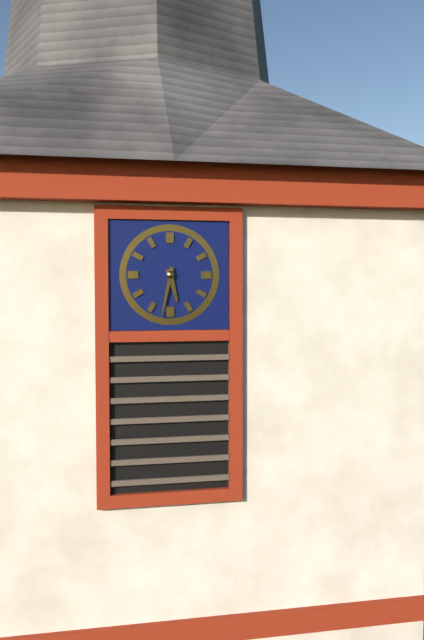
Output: 5.32
